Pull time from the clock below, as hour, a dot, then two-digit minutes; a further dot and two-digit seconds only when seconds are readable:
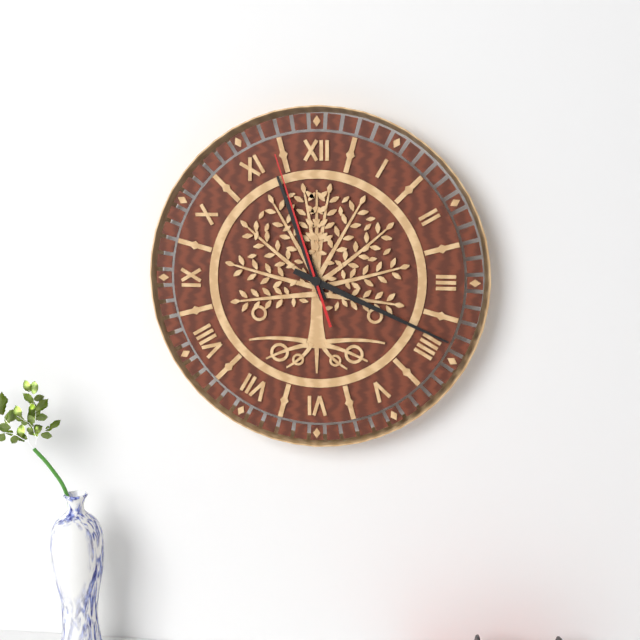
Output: 11.19.57
